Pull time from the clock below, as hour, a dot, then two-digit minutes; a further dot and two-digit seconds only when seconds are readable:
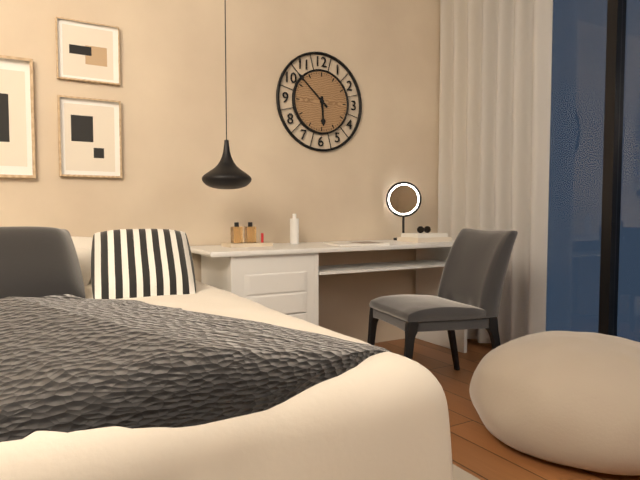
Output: 5.52
